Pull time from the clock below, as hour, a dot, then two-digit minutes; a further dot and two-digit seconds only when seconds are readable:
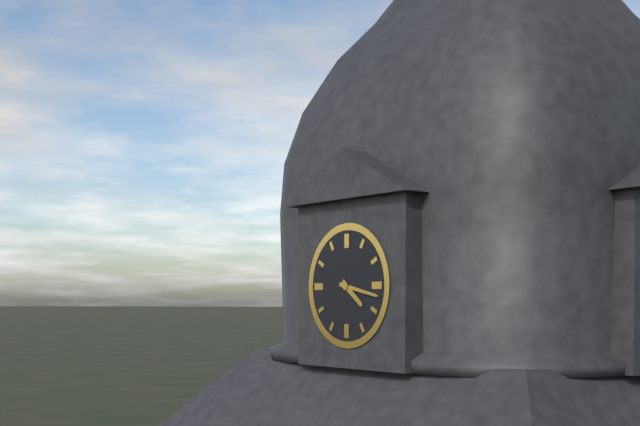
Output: 4.17
